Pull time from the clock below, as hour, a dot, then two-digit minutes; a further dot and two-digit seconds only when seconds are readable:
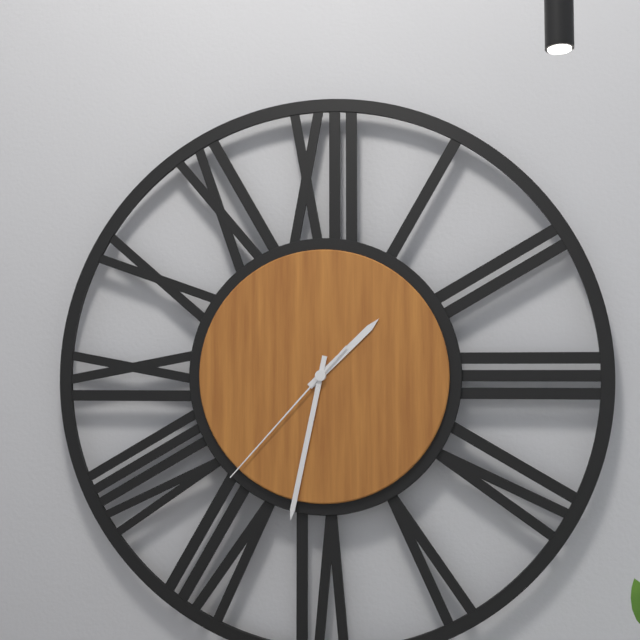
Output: 1.32.37
